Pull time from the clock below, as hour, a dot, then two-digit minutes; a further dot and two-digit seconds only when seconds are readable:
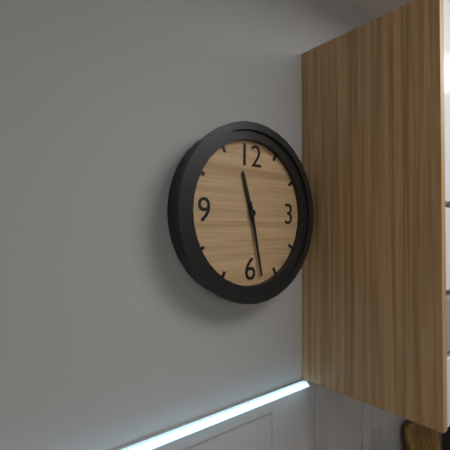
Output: 11.28
